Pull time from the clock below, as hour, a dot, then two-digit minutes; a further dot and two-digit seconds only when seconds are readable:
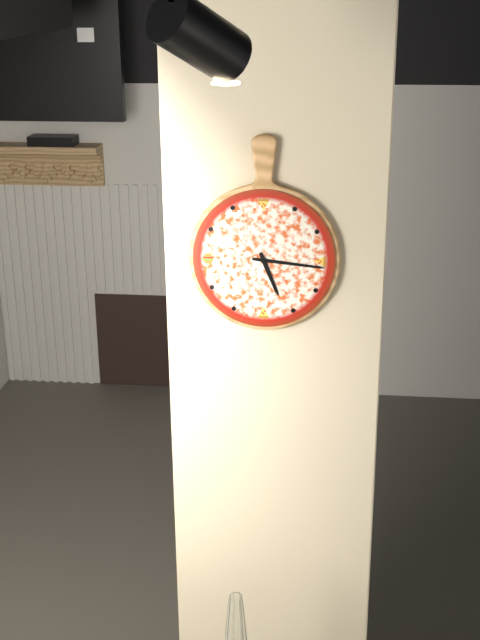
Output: 5.16
